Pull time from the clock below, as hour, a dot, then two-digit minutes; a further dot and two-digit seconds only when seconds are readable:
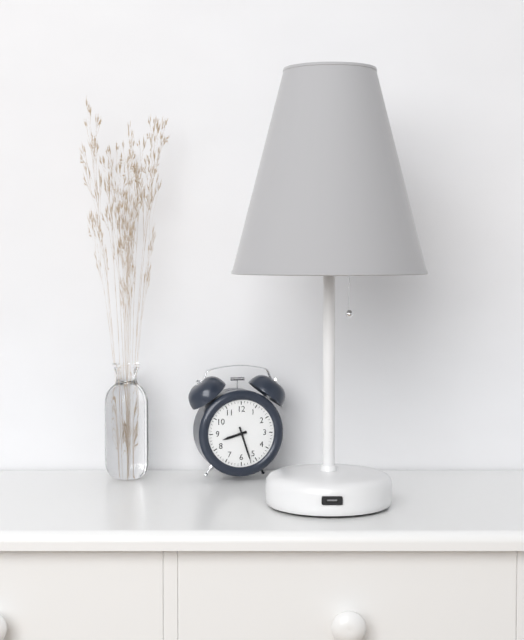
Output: 8.27
